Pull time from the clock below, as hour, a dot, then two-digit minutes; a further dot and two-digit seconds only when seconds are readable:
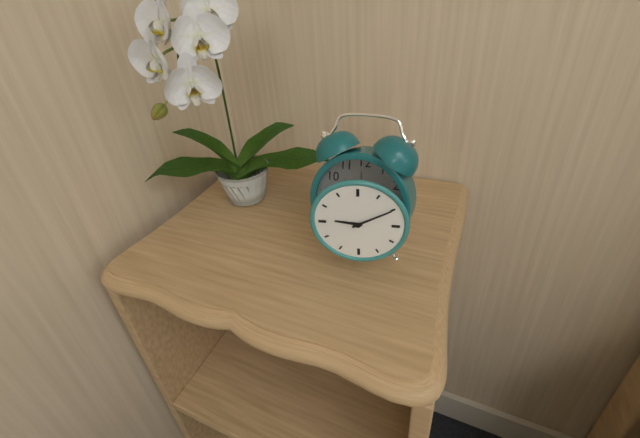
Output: 9.10
